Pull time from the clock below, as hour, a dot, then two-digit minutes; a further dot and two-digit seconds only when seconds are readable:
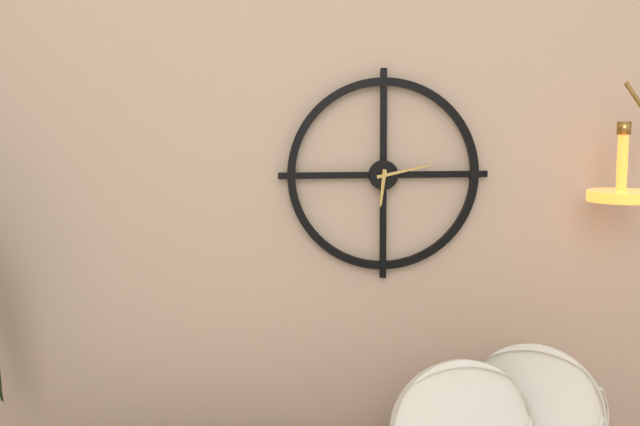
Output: 6.13
